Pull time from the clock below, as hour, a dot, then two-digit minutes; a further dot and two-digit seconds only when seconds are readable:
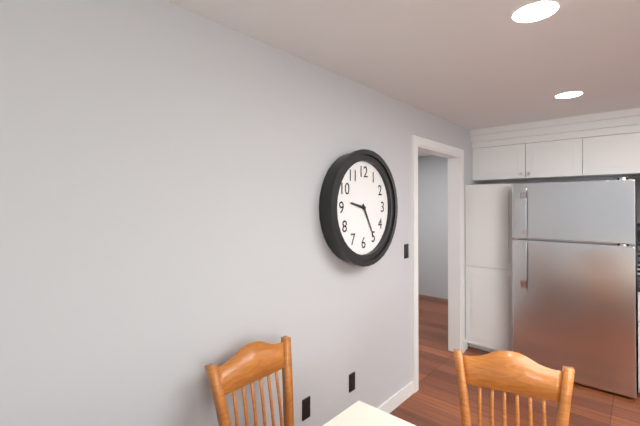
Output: 9.25
